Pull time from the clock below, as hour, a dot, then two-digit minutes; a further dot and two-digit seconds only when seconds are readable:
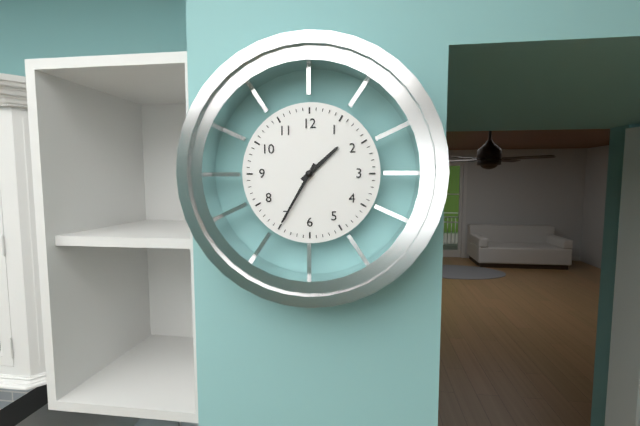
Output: 1.35
